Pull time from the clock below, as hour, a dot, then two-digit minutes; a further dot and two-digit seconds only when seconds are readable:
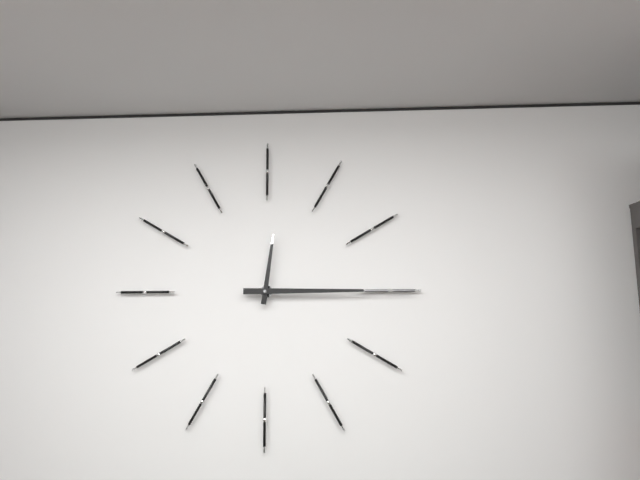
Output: 12.15
